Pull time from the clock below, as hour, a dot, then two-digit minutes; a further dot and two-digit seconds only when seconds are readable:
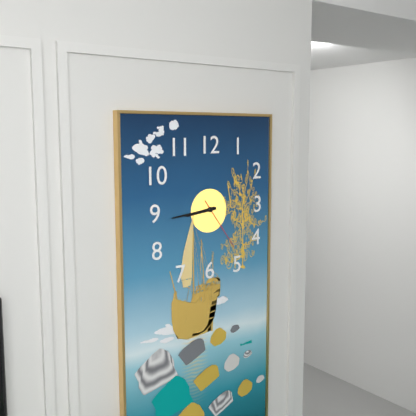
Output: 8.44.24
